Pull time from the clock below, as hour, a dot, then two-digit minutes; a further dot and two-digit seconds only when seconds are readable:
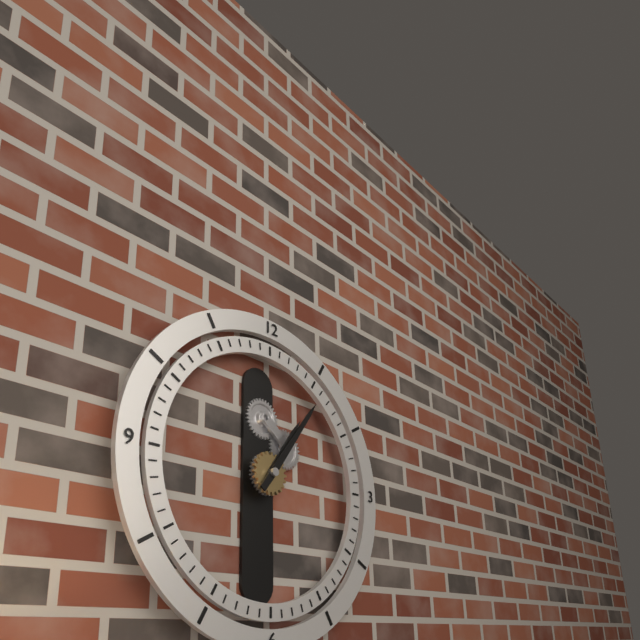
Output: 1.06
